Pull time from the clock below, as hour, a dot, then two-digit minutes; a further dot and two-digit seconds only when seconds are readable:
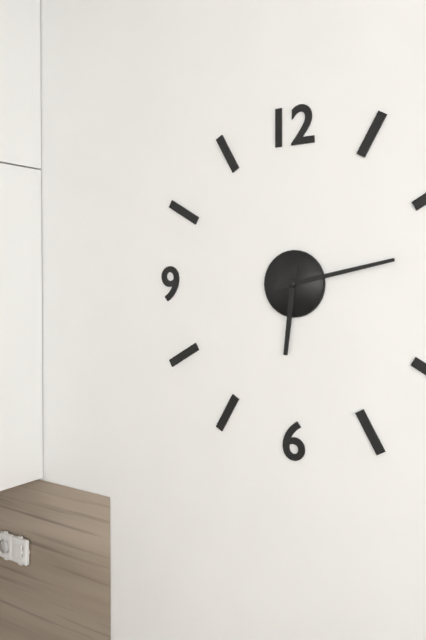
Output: 6.13
